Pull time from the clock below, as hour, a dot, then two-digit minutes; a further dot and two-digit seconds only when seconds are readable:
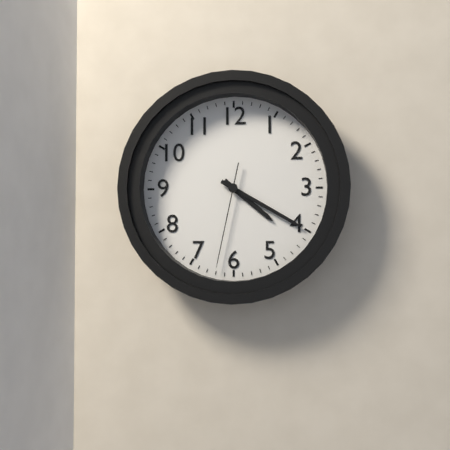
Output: 4.20.32
